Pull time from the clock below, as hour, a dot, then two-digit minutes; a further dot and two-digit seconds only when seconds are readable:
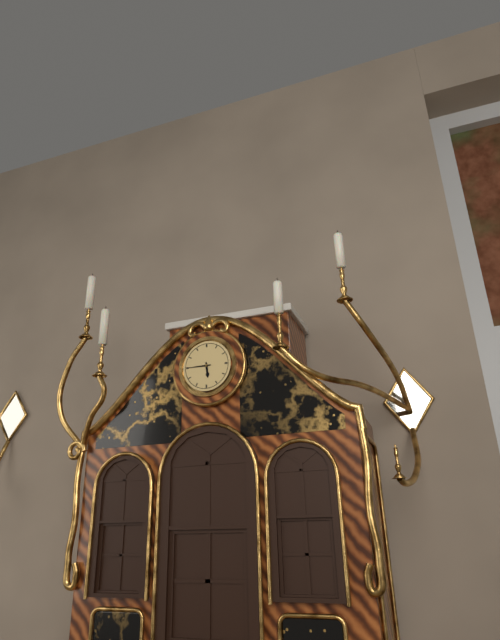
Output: 5.45
